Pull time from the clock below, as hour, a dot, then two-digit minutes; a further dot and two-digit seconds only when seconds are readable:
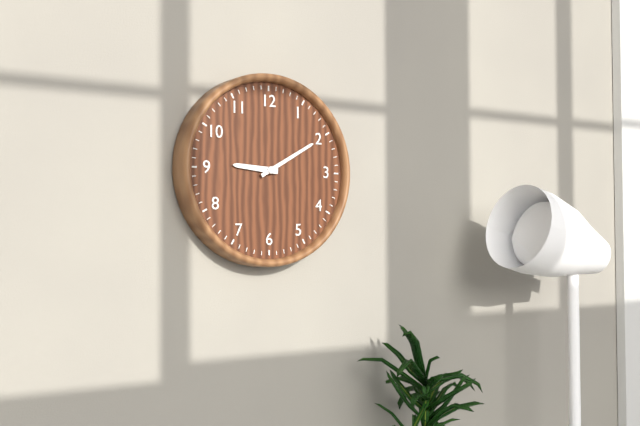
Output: 9.10
